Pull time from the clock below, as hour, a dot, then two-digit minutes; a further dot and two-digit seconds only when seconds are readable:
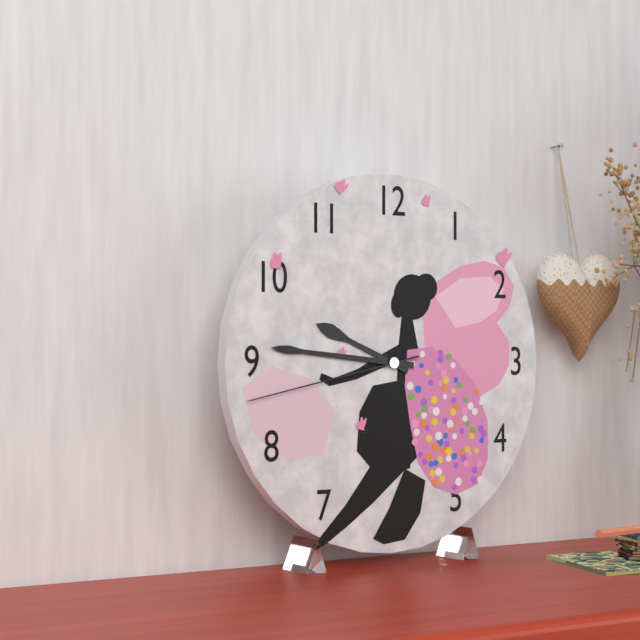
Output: 9.46.43
